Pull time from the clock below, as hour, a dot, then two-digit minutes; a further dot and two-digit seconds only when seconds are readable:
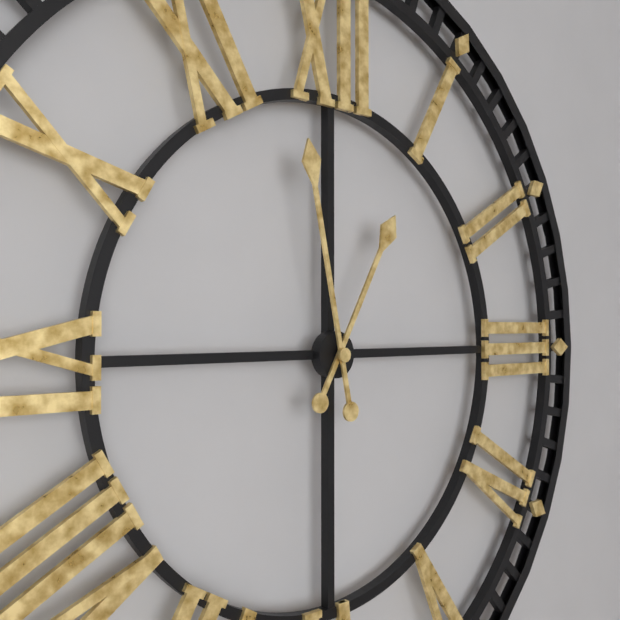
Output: 12.58
